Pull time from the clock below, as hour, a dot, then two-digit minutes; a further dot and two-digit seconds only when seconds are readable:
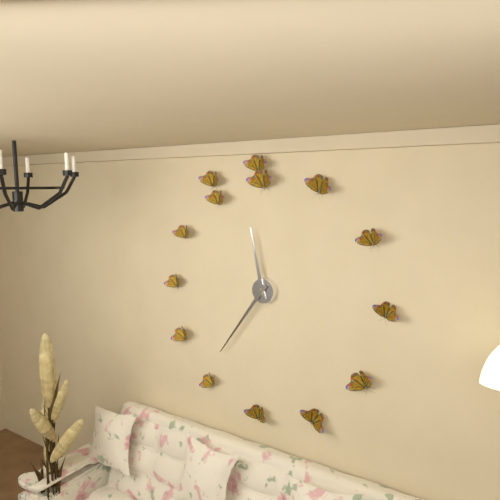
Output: 11.36
